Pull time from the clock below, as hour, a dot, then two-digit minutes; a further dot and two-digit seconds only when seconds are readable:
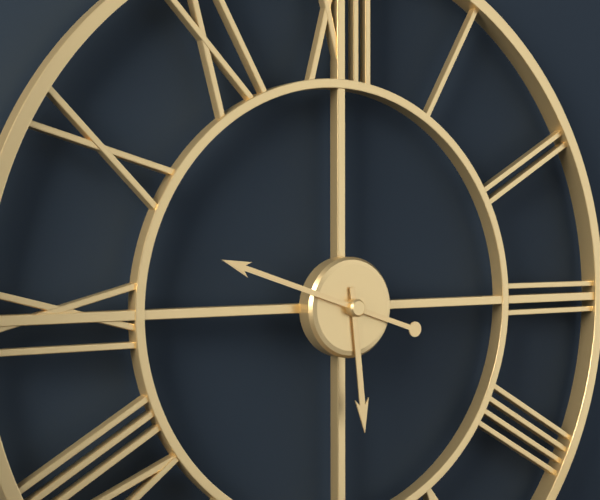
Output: 5.48
